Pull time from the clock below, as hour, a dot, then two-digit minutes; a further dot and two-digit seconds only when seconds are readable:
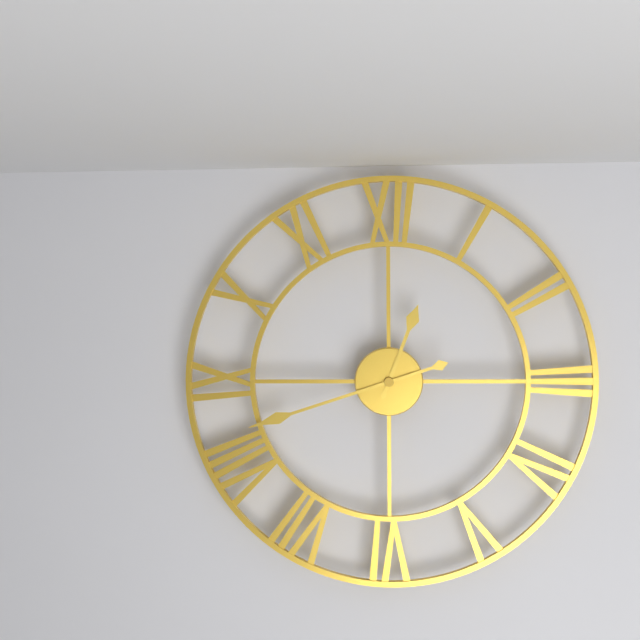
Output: 12.42
